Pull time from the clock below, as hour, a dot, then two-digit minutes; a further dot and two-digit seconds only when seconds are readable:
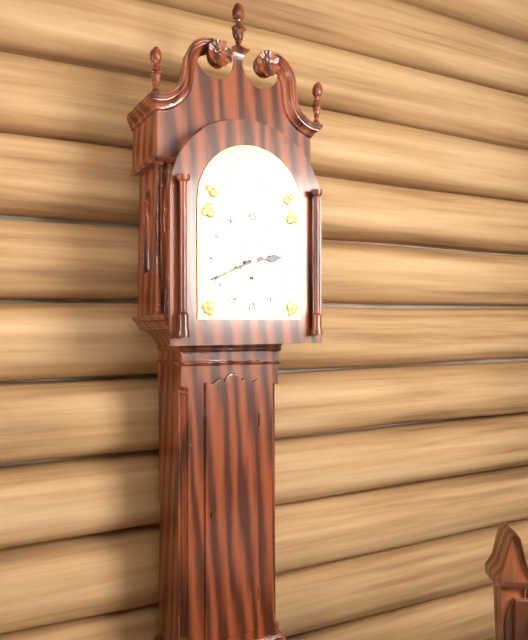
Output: 2.41
